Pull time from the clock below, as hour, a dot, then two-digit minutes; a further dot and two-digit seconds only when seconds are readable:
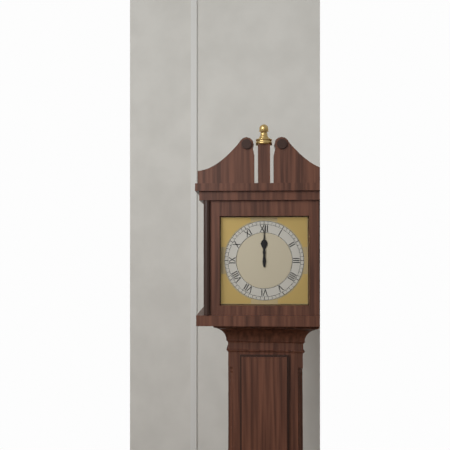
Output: 12.00
